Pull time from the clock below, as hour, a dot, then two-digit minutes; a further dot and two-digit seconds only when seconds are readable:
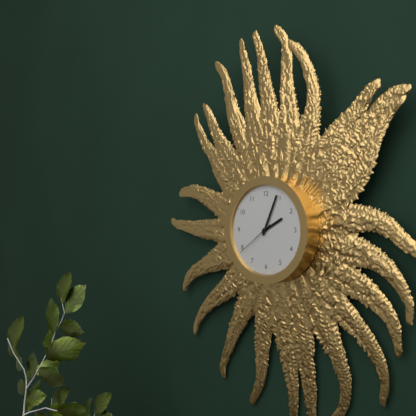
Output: 2.04
